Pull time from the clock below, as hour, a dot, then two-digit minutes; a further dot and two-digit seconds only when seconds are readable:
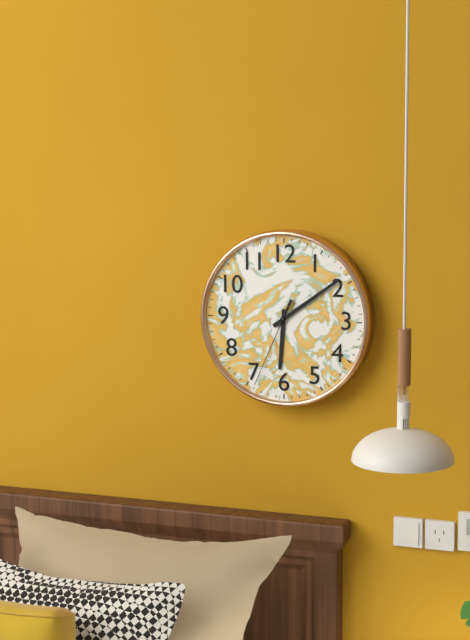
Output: 6.09.34
